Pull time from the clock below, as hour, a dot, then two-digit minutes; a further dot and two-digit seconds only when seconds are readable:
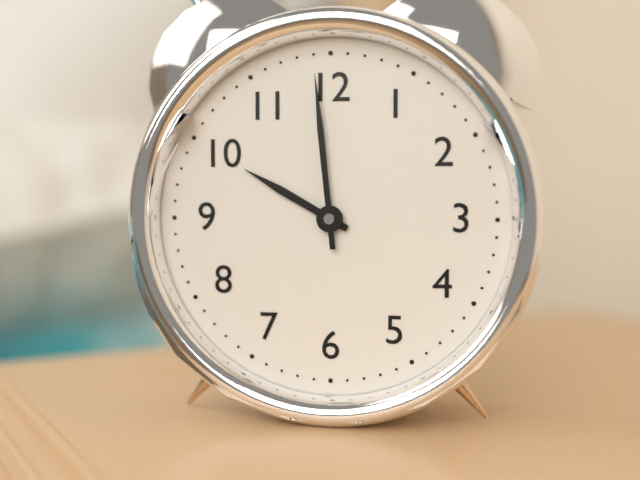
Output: 9.59
